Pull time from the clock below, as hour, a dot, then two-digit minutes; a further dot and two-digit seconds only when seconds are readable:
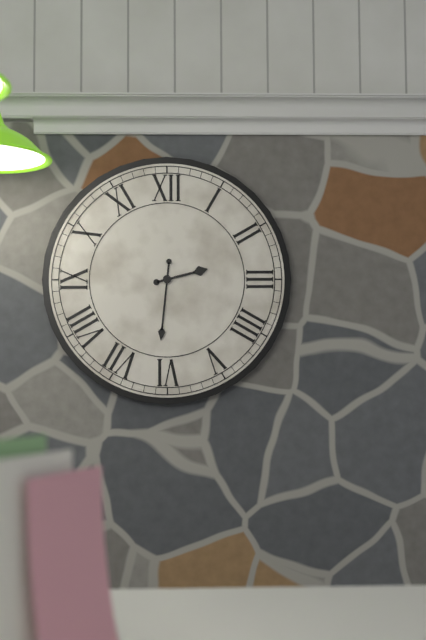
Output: 2.31
